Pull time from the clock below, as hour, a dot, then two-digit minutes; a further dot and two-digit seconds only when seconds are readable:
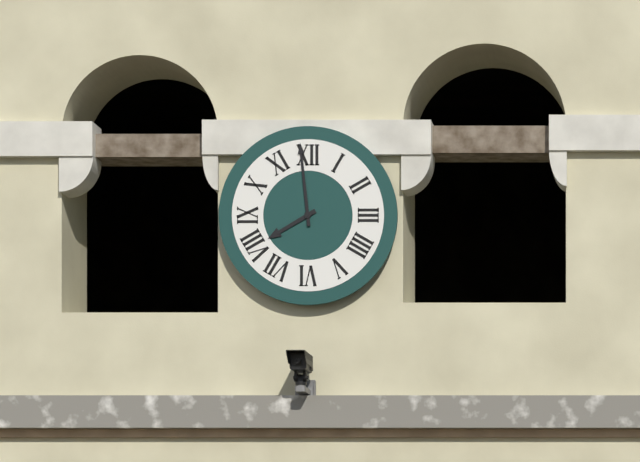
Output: 7.59
